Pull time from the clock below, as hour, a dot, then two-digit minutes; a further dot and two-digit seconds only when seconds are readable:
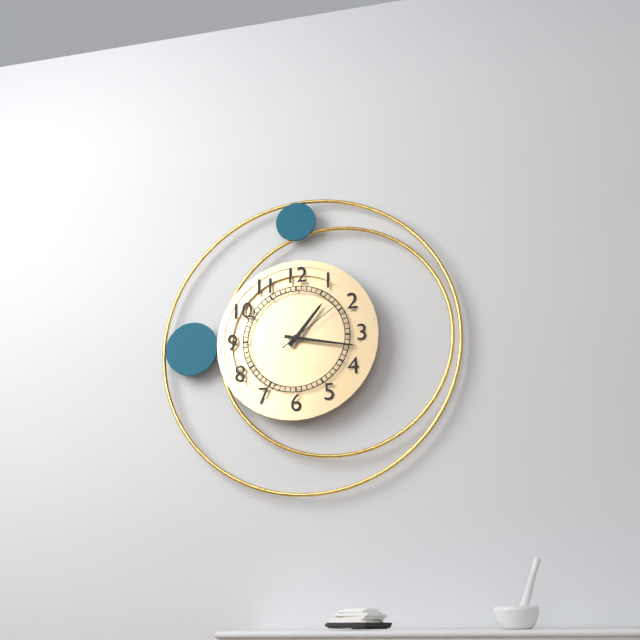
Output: 1.17.09
